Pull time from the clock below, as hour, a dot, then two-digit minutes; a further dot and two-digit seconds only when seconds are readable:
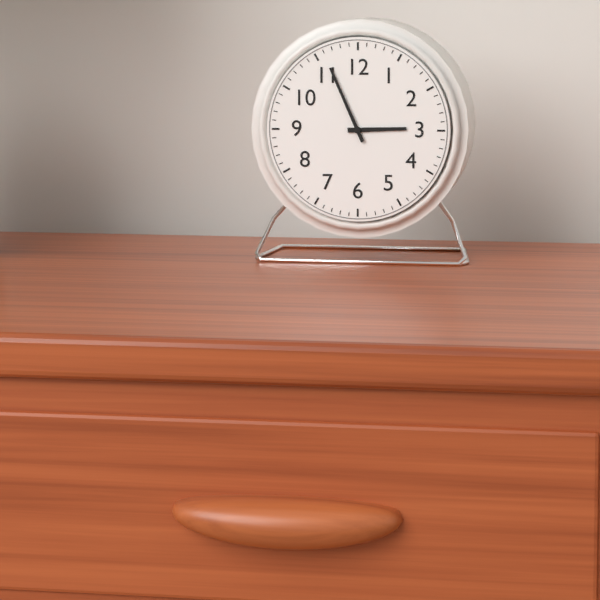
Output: 2.56
